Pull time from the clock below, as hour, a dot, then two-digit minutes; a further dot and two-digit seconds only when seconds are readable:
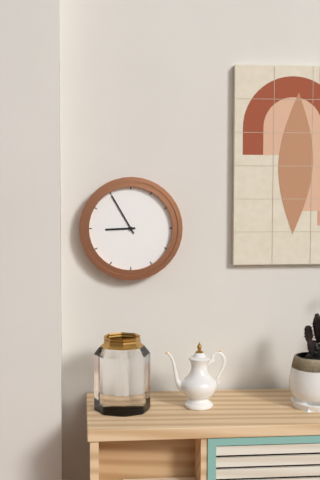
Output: 8.55
